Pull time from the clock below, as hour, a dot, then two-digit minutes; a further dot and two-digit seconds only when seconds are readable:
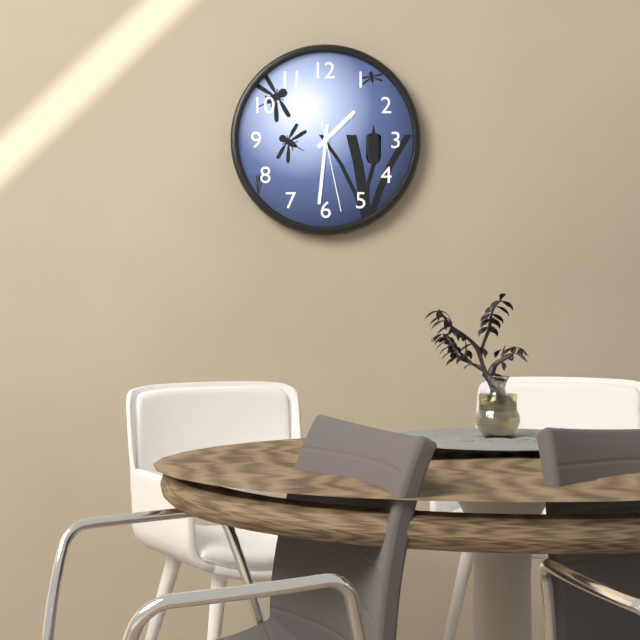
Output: 1.31.28
